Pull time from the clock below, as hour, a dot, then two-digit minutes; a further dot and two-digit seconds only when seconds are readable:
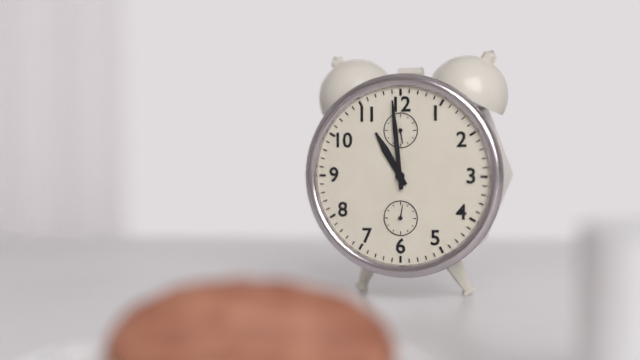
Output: 10.59
